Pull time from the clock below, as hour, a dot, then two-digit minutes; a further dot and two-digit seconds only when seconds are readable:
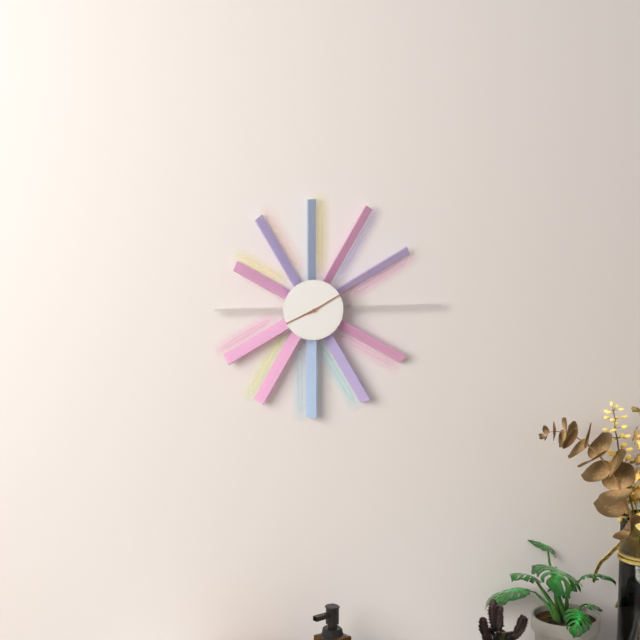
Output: 8.10
